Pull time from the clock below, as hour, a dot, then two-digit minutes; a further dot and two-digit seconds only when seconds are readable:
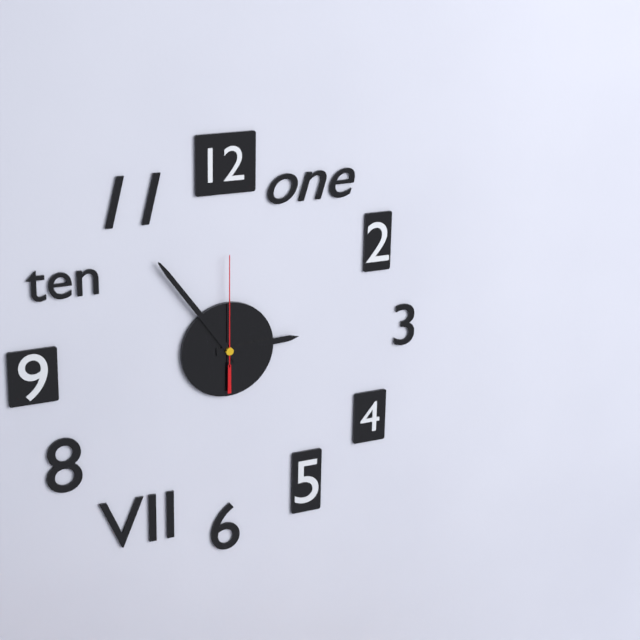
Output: 2.54.00
